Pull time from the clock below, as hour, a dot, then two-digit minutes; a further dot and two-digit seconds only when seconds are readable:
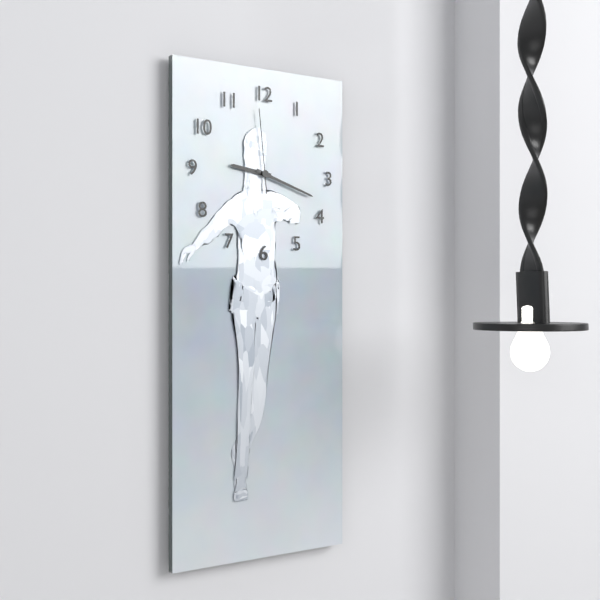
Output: 9.18.59
